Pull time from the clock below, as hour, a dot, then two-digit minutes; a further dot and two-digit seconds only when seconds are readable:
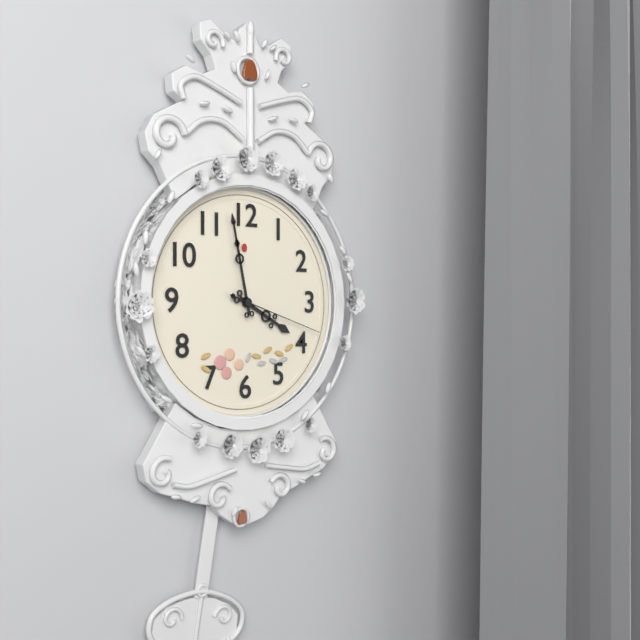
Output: 3.58.18
